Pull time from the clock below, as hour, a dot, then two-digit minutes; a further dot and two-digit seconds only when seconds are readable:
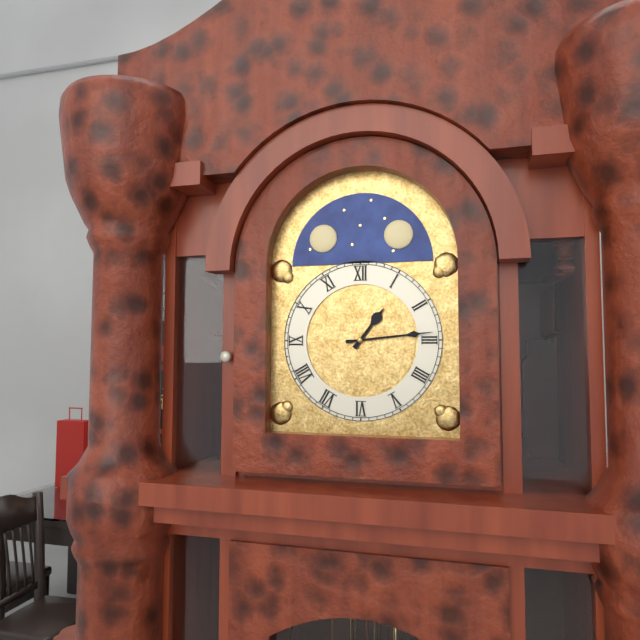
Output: 1.14
